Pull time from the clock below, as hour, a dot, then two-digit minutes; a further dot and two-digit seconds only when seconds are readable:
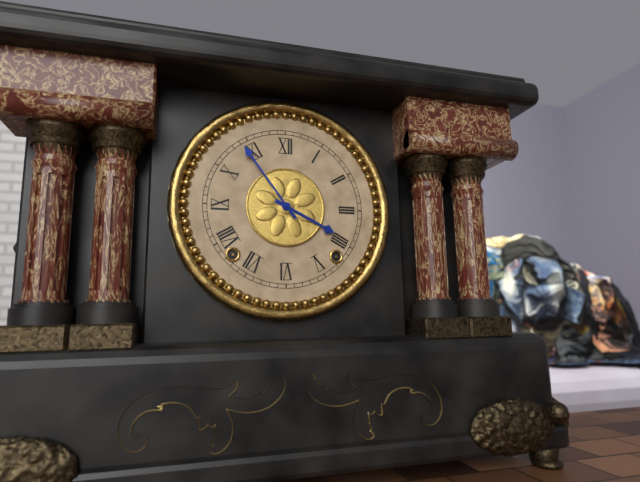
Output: 3.54
